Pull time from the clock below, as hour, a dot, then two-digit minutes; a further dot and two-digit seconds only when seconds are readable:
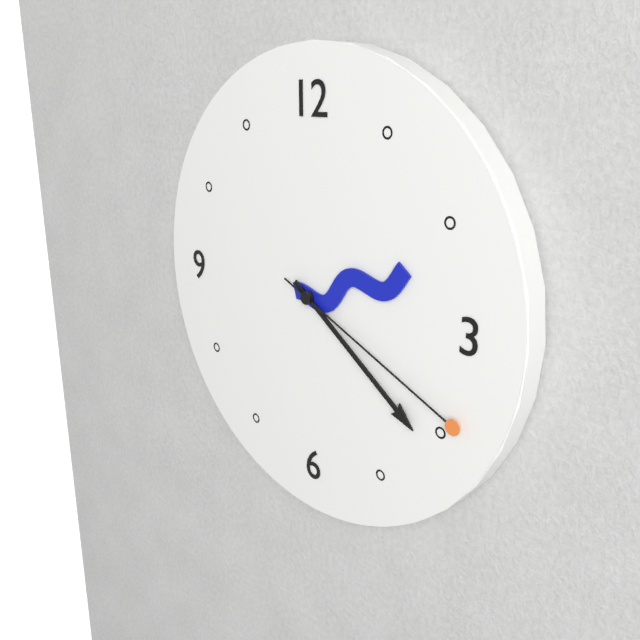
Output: 2.21.19
